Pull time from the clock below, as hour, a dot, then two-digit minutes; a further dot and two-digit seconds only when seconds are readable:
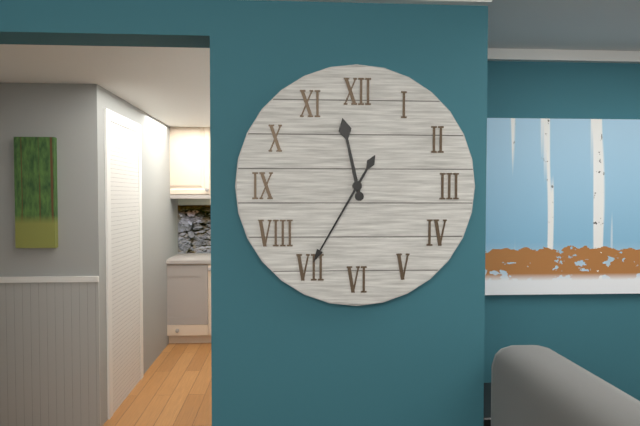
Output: 11.35
